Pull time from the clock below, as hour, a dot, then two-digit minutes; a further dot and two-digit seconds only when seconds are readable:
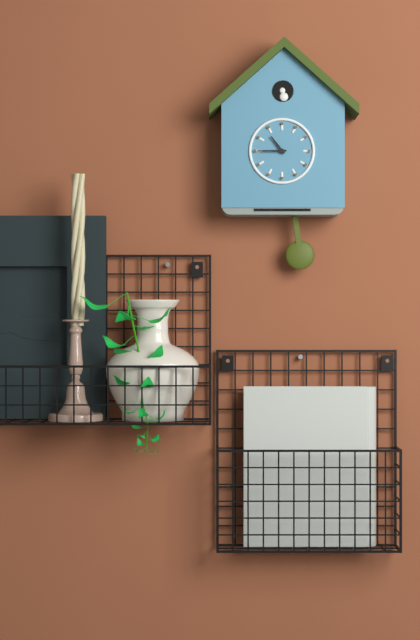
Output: 10.45
